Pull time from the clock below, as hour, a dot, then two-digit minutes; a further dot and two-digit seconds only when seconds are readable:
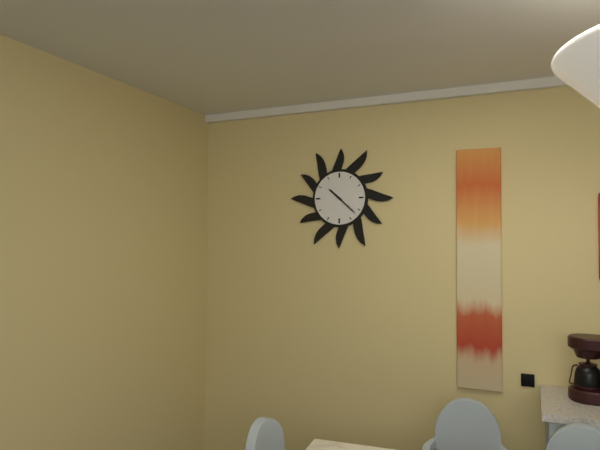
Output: 10.22
